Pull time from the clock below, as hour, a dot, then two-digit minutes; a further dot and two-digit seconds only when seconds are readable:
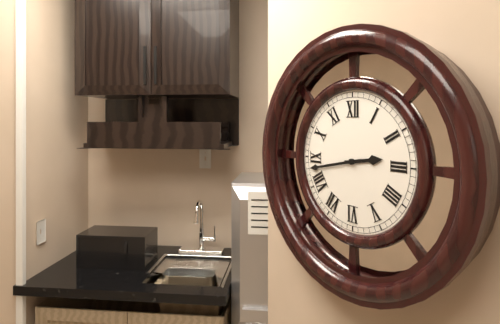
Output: 2.43
